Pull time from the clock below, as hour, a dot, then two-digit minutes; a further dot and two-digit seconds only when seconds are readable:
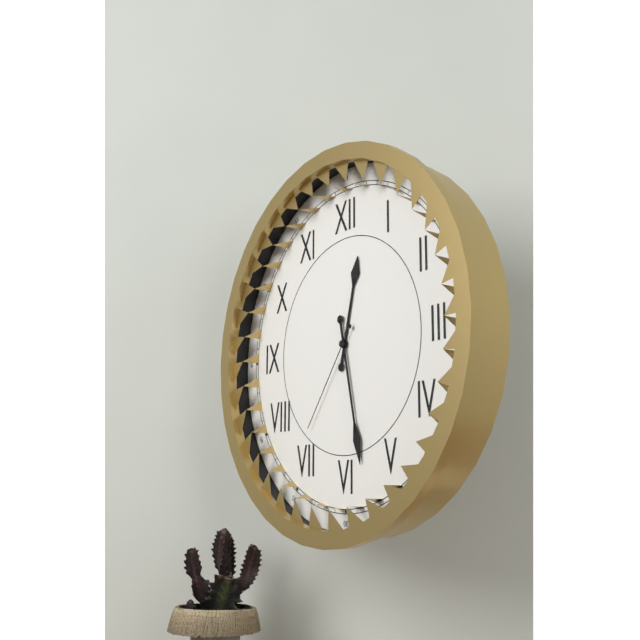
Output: 12.28.36
